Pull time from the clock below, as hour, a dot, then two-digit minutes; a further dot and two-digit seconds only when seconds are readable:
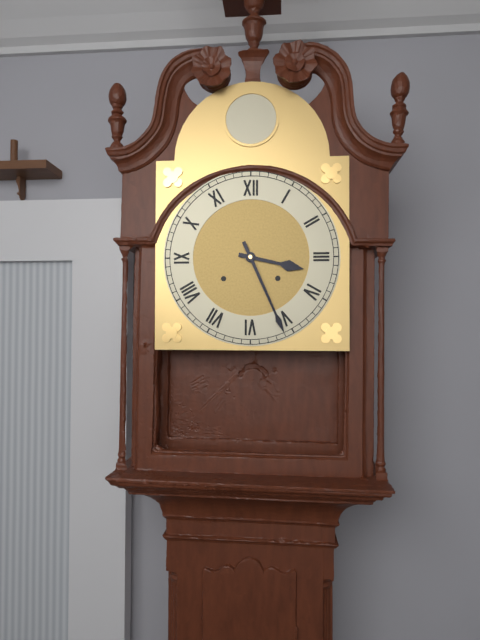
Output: 3.26
